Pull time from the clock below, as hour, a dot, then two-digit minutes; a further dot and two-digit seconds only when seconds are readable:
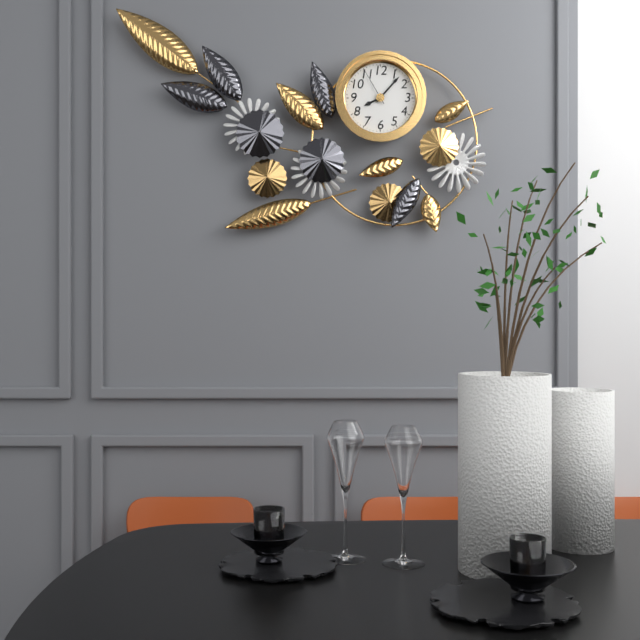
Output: 8.07
